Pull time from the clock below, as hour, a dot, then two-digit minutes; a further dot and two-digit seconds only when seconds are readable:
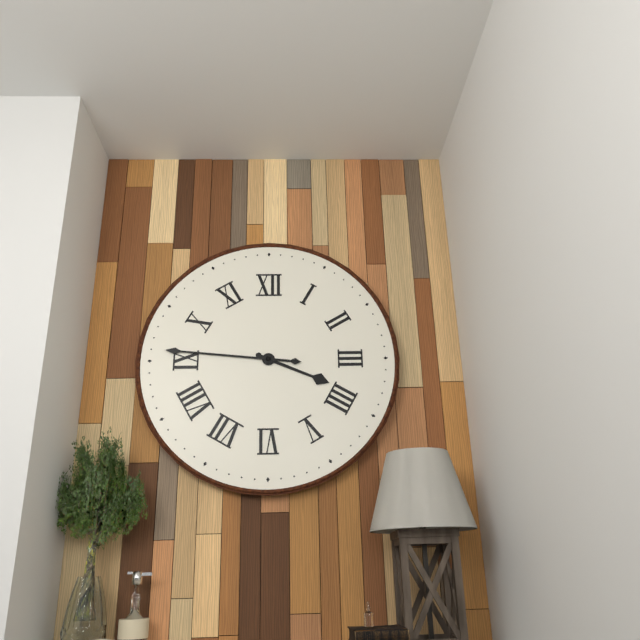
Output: 3.46
